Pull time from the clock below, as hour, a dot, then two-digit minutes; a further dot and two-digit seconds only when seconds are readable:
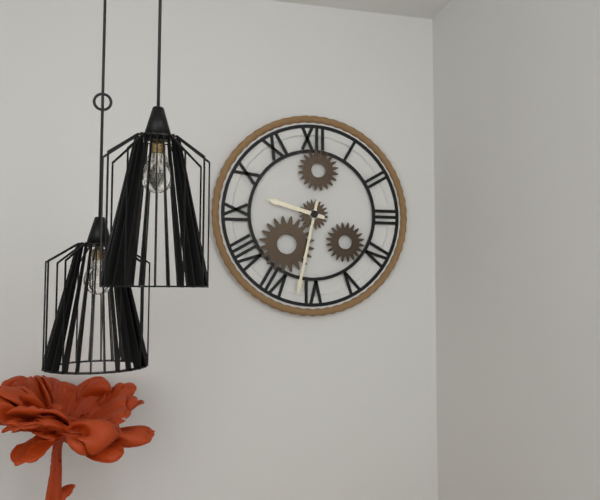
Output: 9.32
